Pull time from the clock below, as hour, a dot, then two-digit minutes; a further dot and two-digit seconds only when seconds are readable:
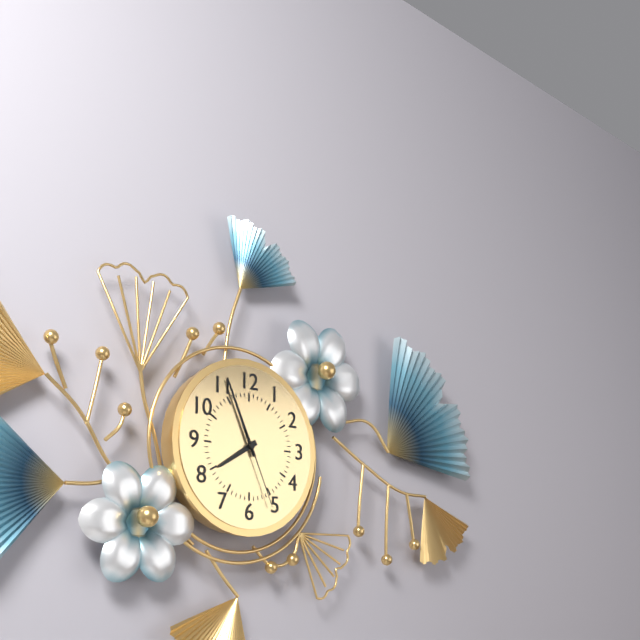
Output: 7.56.26
